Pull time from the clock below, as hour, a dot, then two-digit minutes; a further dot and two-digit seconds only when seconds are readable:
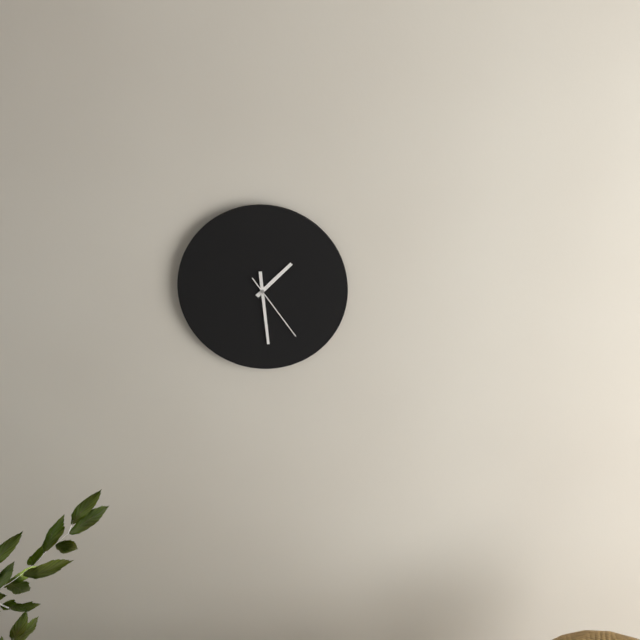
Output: 1.29.24
